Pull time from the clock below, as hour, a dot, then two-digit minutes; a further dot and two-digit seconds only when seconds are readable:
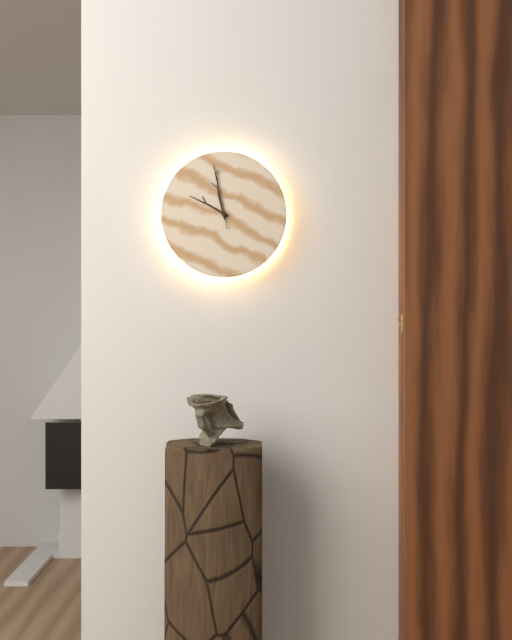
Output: 9.58.58
